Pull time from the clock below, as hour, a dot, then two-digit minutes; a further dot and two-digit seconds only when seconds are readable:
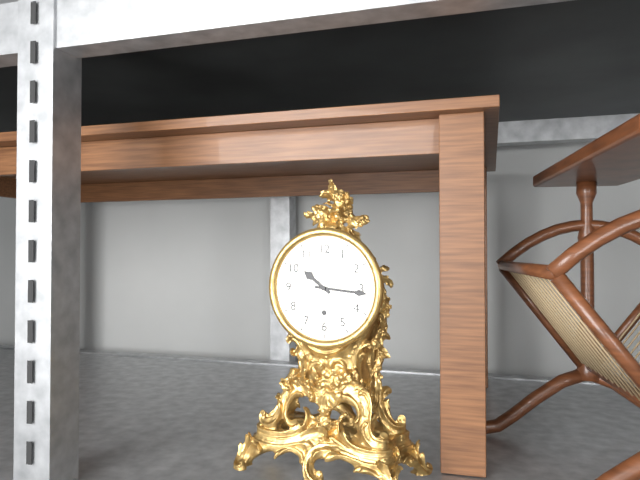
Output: 10.16
